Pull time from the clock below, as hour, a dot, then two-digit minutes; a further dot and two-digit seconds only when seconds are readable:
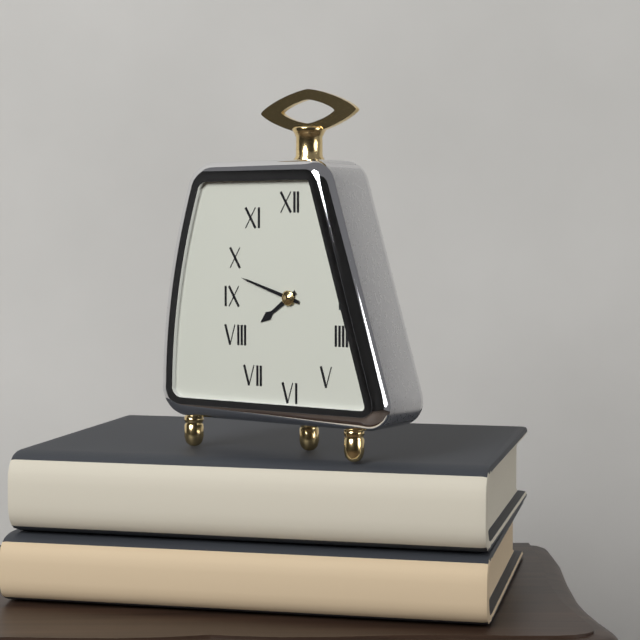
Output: 7.48
